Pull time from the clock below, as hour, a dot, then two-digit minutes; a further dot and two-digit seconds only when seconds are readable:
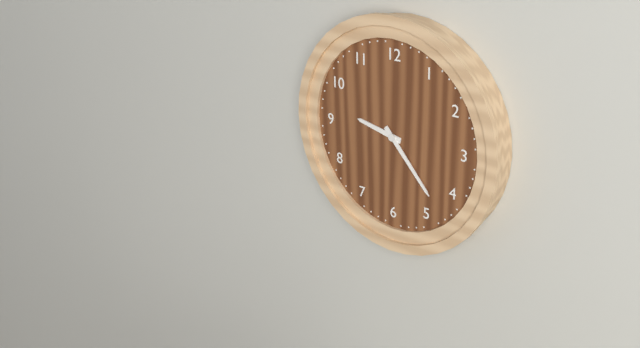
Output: 9.23
